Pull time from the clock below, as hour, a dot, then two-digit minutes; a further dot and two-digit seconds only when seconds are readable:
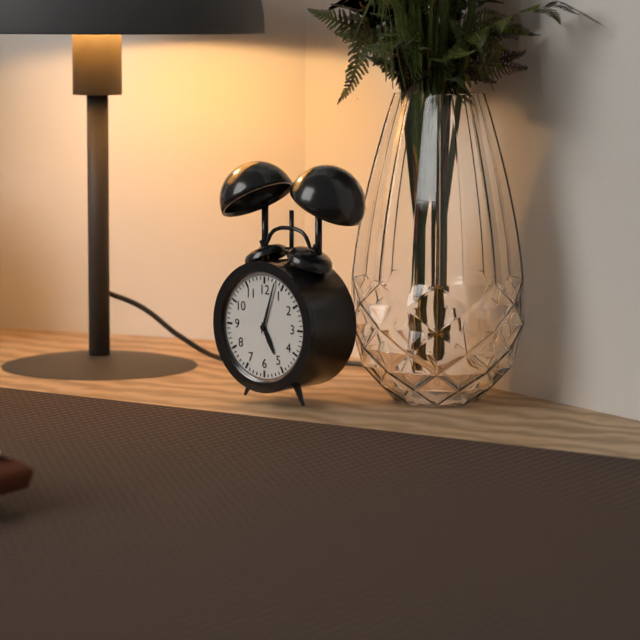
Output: 5.03
